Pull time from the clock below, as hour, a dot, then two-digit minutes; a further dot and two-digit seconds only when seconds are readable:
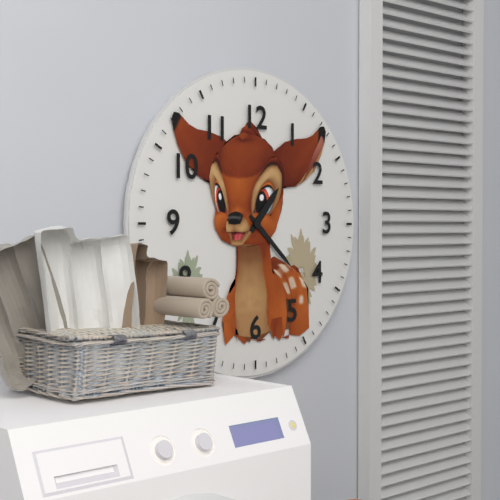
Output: 1.22
